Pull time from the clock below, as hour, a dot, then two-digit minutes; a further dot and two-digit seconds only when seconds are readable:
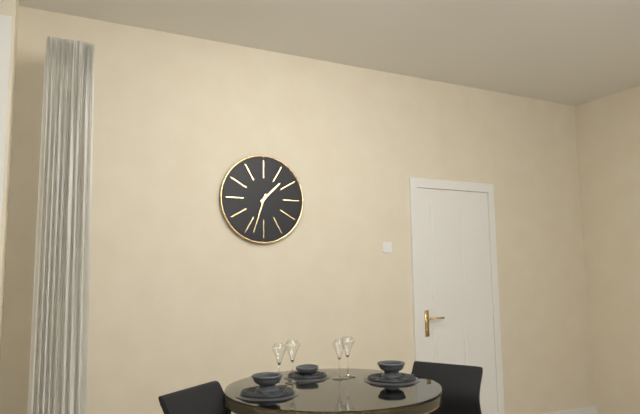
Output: 1.33
